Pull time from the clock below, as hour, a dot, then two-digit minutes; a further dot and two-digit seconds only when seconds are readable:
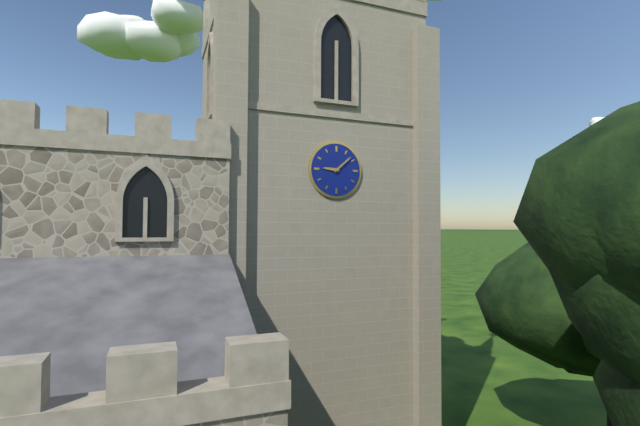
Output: 9.08
